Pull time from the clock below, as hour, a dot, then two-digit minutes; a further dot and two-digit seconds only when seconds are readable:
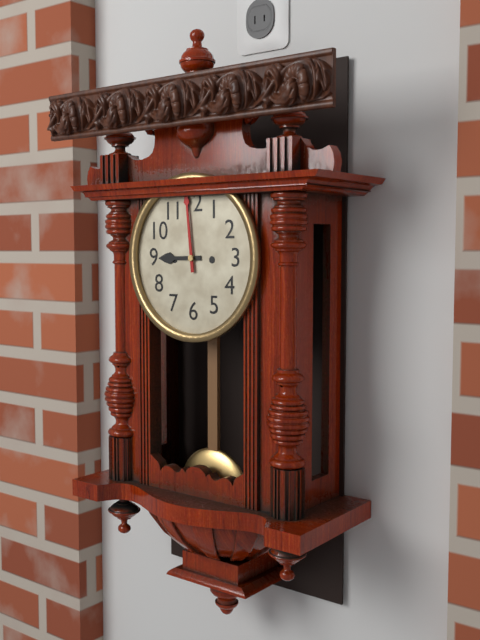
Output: 8.59
